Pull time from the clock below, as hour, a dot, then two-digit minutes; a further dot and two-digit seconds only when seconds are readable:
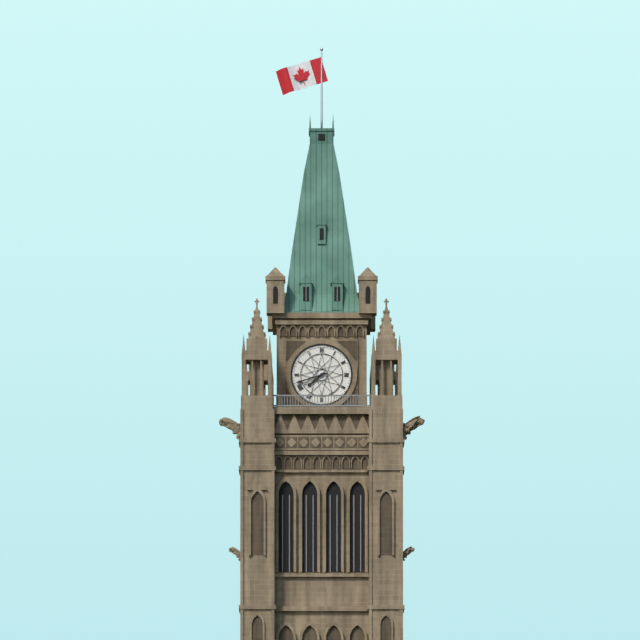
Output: 7.42
